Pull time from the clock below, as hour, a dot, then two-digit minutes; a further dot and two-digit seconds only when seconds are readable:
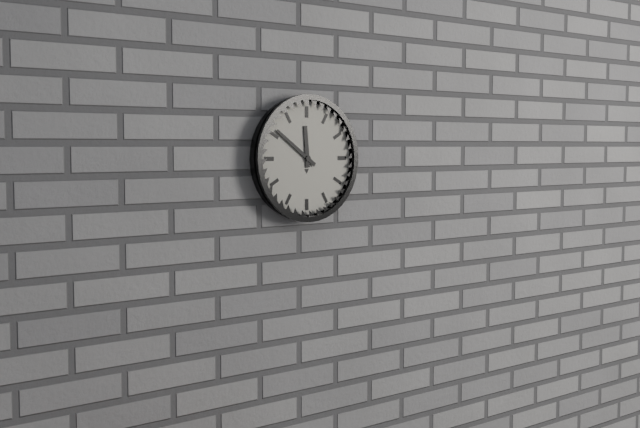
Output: 11.51
